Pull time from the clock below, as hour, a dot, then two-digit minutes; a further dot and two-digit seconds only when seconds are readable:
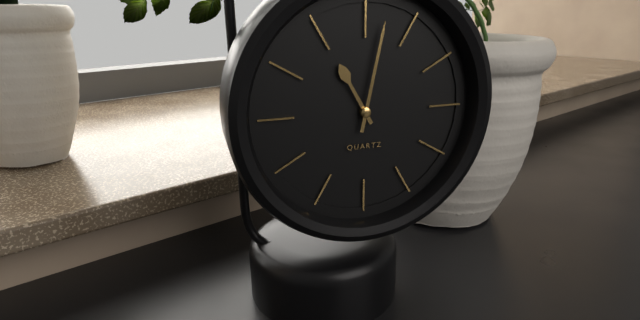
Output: 11.02
